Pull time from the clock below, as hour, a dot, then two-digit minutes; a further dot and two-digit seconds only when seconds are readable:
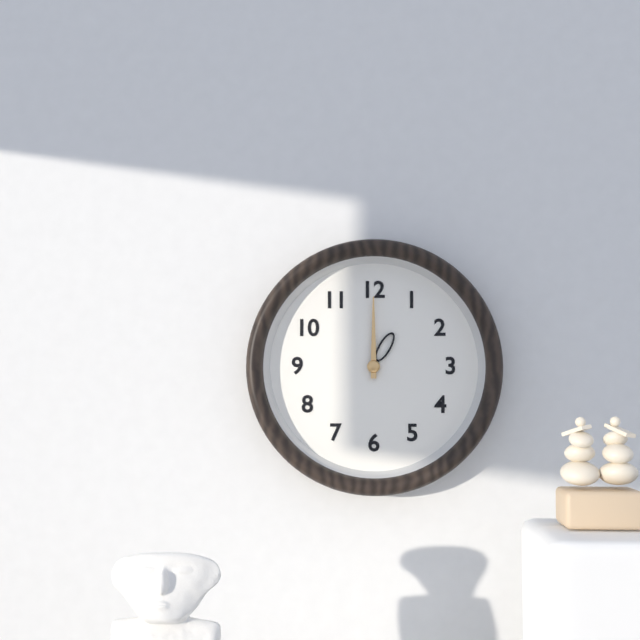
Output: 1.00
